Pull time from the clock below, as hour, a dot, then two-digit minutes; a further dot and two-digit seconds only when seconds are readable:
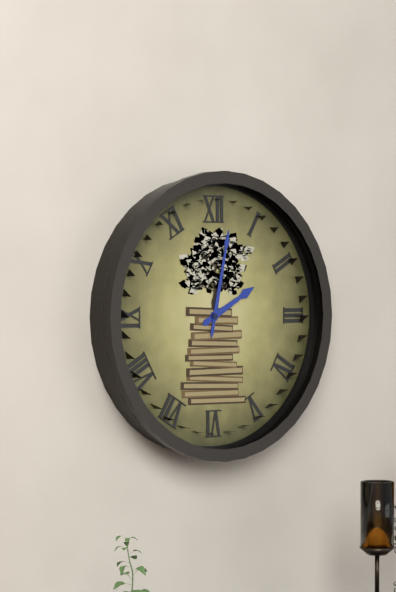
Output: 2.02
